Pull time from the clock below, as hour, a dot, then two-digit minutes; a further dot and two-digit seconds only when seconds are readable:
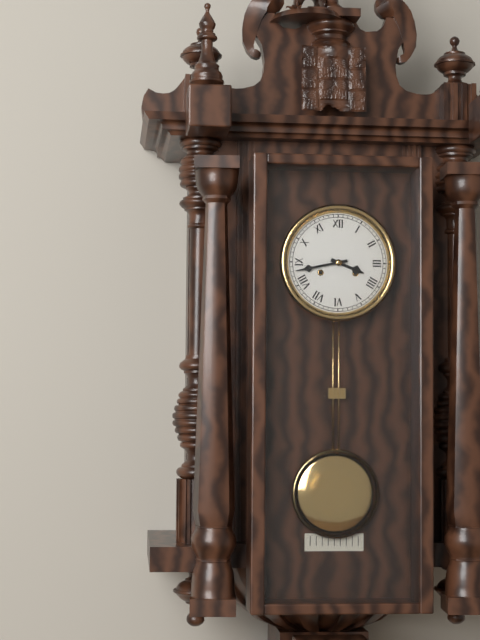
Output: 3.43
